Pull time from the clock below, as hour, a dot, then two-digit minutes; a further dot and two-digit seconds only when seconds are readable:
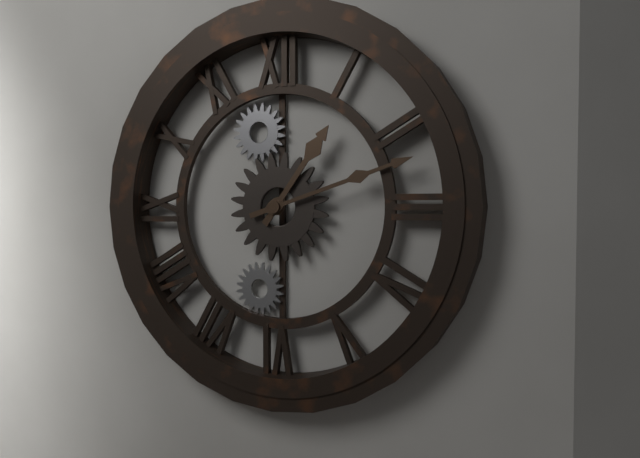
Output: 1.12
